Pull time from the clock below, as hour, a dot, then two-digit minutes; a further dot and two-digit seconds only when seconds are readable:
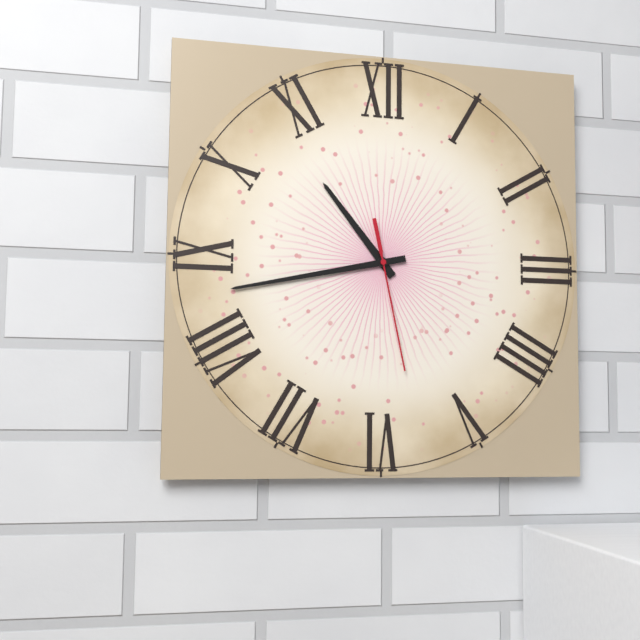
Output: 10.43.28
